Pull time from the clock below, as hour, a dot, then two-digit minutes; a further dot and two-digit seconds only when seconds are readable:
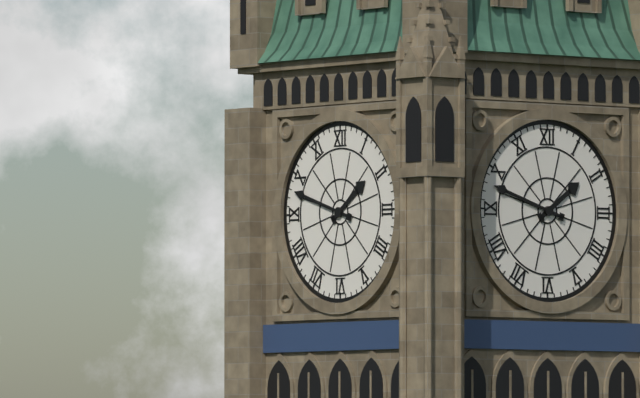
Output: 1.48
